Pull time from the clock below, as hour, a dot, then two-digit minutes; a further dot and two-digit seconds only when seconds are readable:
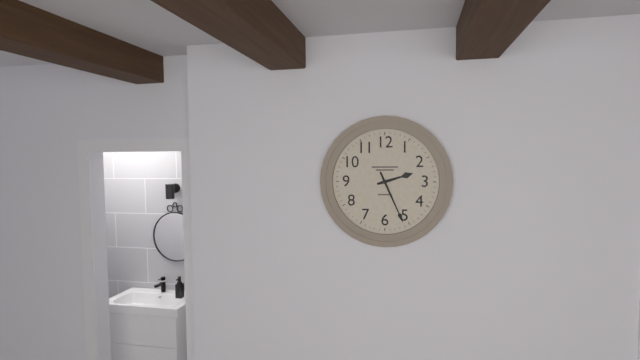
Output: 2.26
